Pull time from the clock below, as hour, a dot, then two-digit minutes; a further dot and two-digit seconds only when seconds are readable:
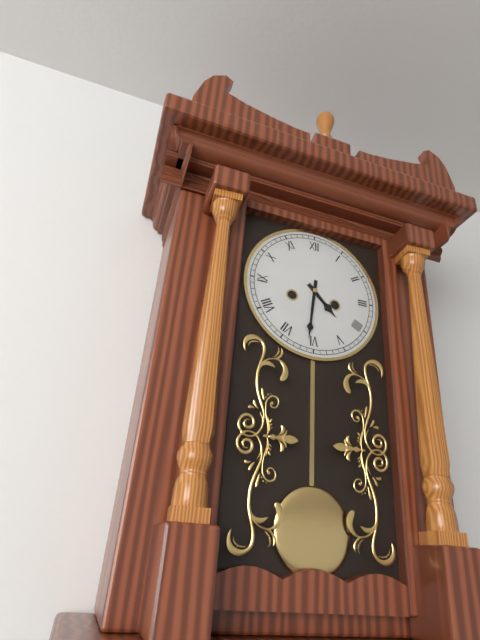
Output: 4.31
